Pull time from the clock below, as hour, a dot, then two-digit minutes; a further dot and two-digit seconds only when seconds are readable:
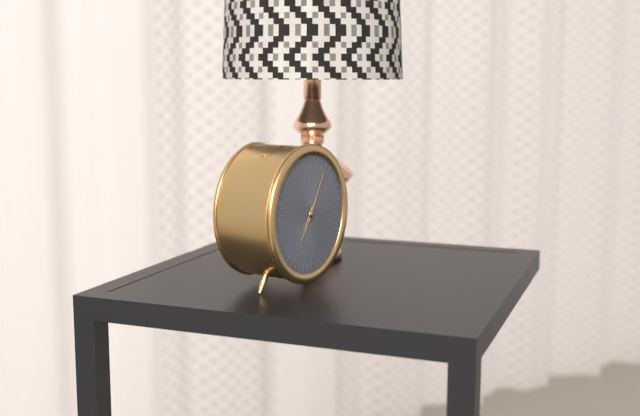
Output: 7.05
